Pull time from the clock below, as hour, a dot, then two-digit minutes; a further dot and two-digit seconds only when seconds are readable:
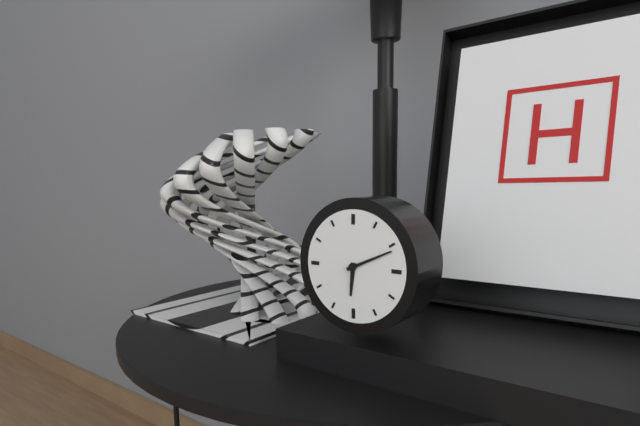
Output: 6.11
